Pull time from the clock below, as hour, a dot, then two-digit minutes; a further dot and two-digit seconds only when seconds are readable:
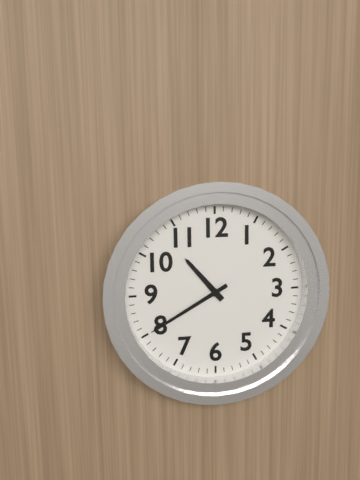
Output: 10.40
